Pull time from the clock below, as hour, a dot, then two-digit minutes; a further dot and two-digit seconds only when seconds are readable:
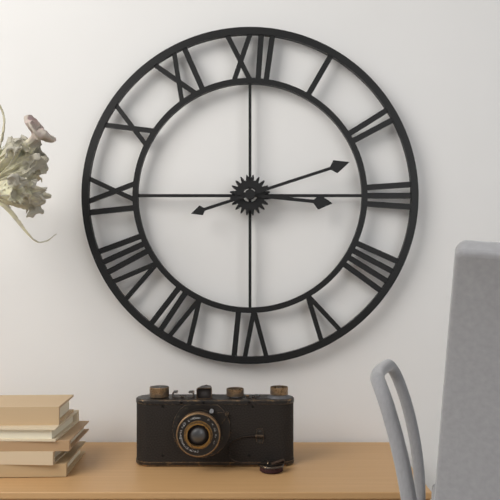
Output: 3.12
